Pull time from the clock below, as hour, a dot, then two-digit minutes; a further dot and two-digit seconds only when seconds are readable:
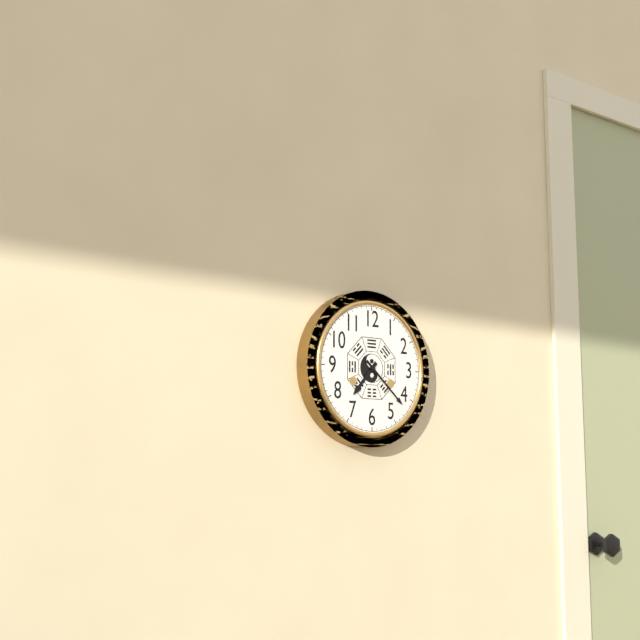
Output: 7.22
